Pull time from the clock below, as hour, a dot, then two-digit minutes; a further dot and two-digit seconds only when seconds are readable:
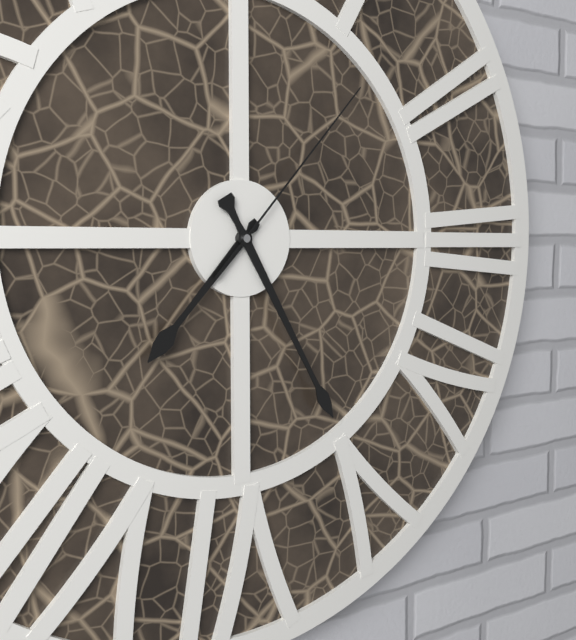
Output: 7.25.07
